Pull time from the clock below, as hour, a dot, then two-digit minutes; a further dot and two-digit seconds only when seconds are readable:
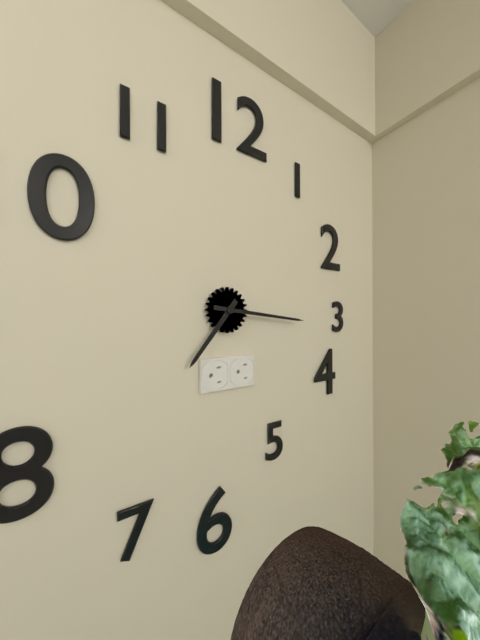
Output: 7.16
